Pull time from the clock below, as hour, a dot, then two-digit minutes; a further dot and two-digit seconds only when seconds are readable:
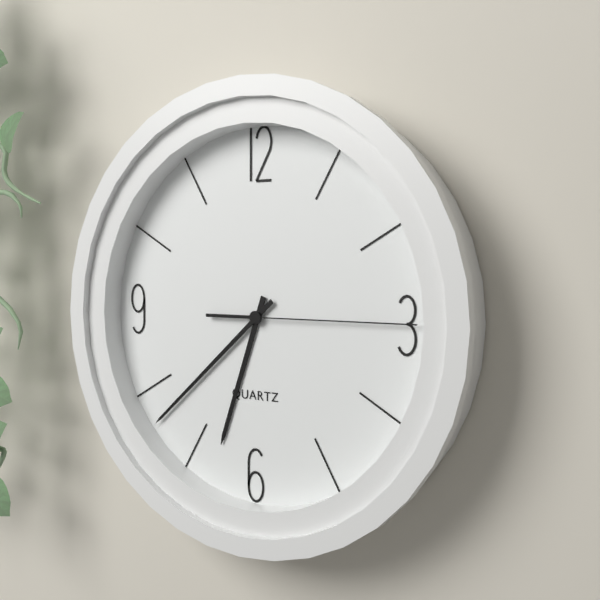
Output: 6.38.15
